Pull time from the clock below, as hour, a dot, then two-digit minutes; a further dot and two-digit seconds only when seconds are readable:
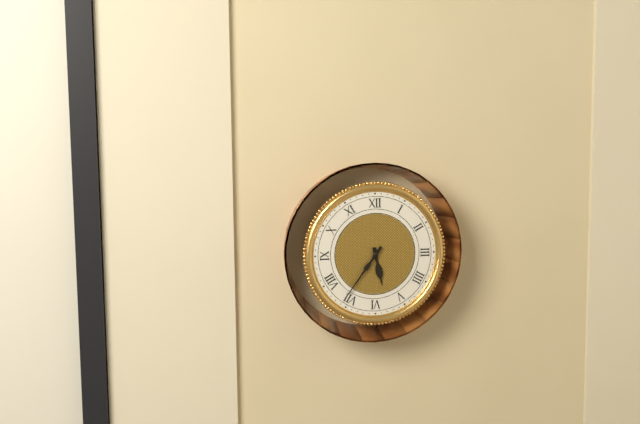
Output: 5.36
